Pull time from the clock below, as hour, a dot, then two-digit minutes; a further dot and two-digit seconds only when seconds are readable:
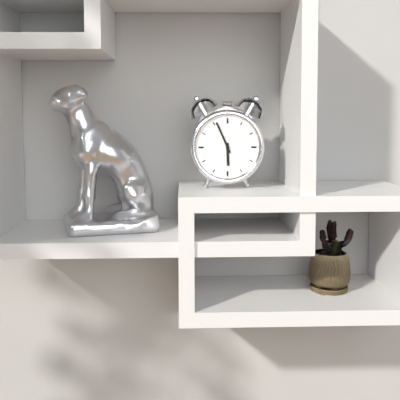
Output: 5.56
